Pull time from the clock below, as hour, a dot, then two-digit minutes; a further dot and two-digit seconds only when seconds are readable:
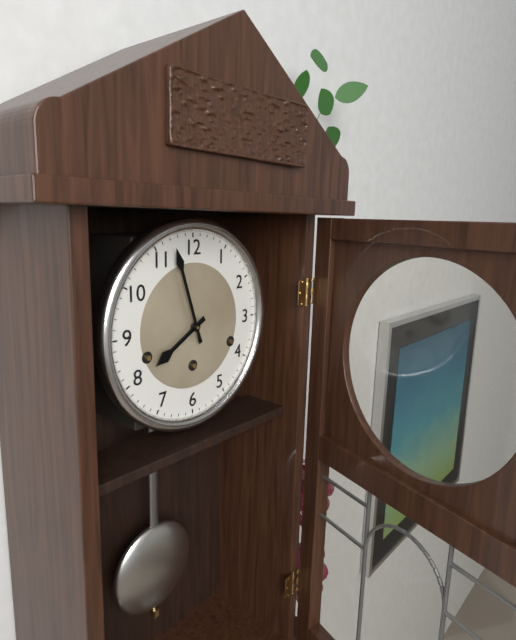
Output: 7.57
